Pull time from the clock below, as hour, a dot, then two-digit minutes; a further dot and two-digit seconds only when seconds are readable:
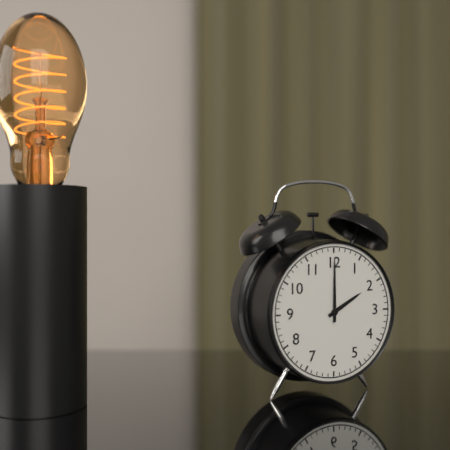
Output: 2.00
